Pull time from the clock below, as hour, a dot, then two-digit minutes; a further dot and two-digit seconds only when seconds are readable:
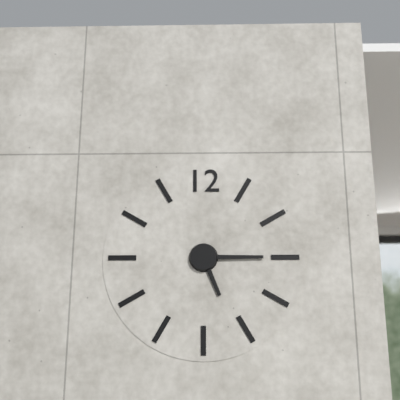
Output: 5.15
